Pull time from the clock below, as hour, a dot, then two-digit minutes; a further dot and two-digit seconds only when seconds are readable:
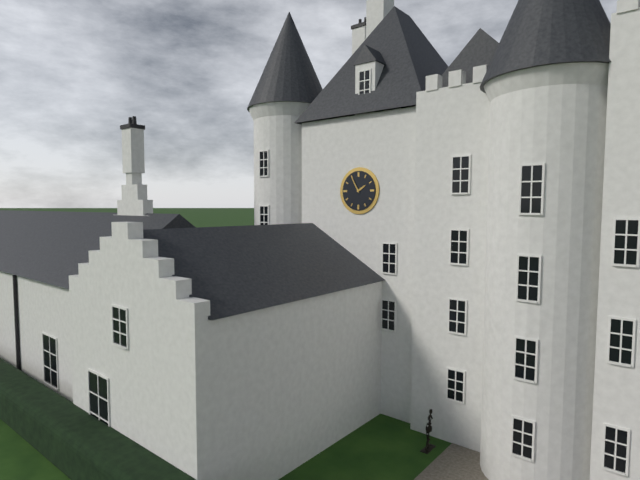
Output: 1.55
